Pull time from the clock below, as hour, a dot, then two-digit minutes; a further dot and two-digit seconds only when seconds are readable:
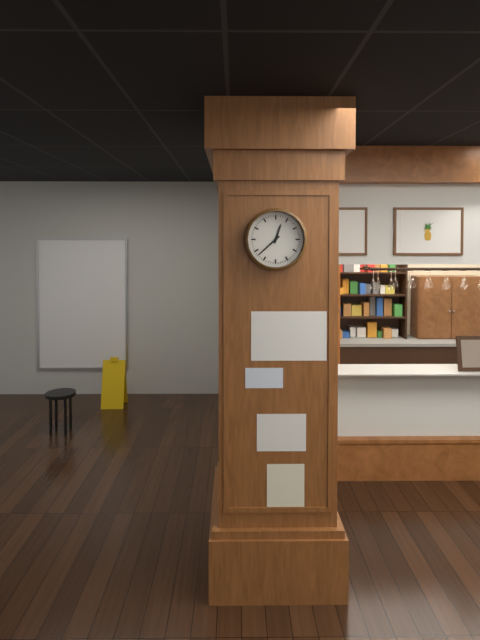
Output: 12.38
